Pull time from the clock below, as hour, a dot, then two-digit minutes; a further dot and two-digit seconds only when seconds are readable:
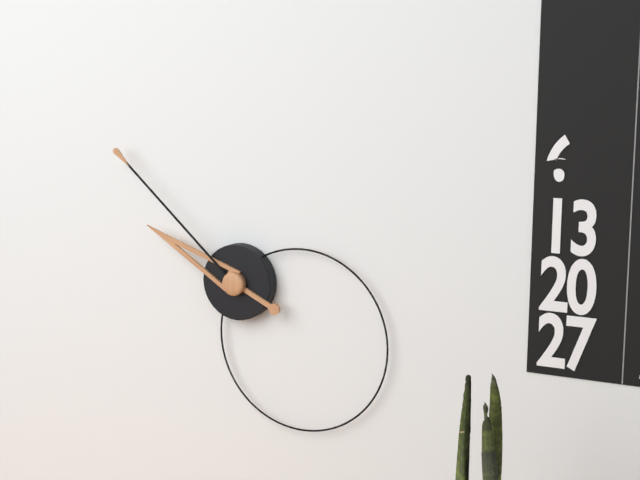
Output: 9.52
